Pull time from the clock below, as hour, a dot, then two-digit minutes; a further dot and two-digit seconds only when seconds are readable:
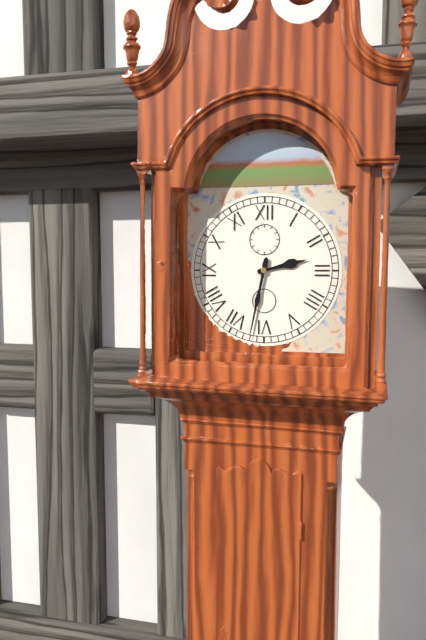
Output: 2.32
